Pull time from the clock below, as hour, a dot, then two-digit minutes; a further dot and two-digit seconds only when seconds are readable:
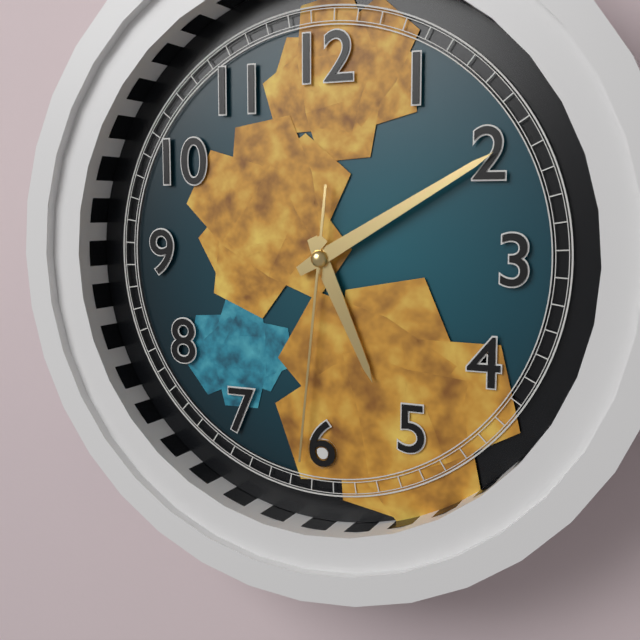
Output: 5.10.31
